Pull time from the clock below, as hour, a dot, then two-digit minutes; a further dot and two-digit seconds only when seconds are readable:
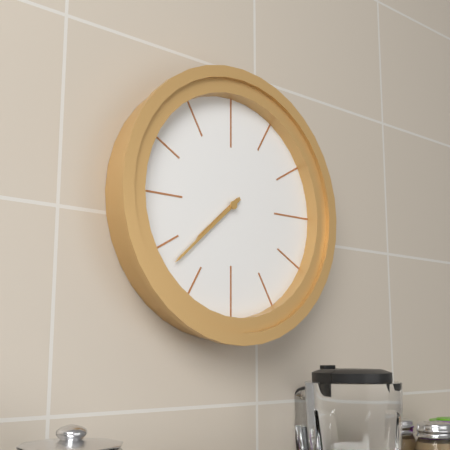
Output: 7.38
